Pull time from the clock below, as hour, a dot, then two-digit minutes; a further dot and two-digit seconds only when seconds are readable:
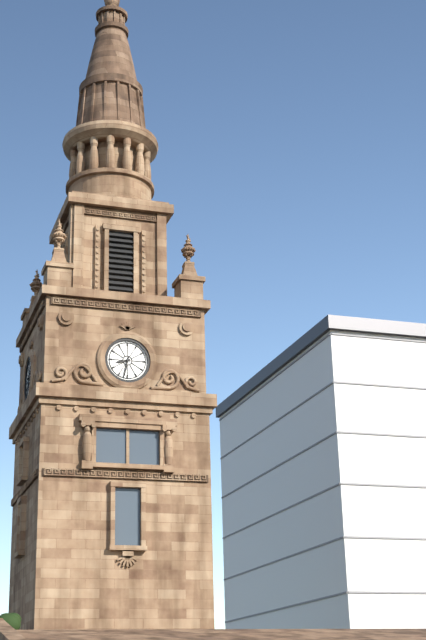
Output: 8.32
